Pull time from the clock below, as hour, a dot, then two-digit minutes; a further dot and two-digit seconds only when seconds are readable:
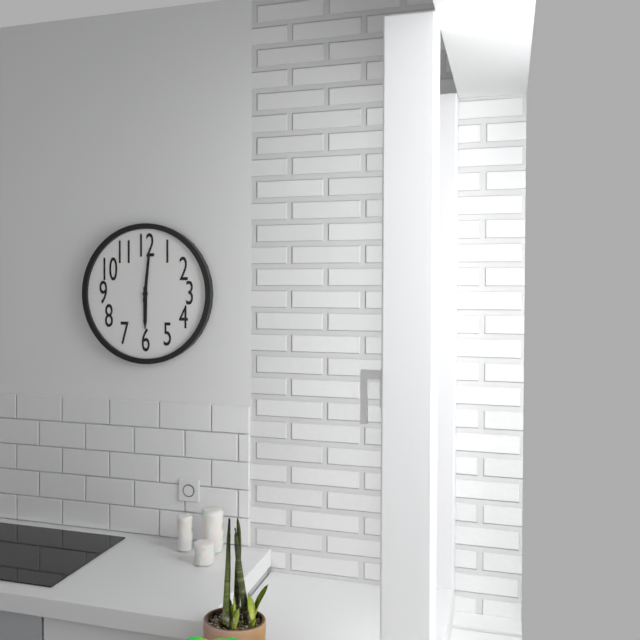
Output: 6.01
